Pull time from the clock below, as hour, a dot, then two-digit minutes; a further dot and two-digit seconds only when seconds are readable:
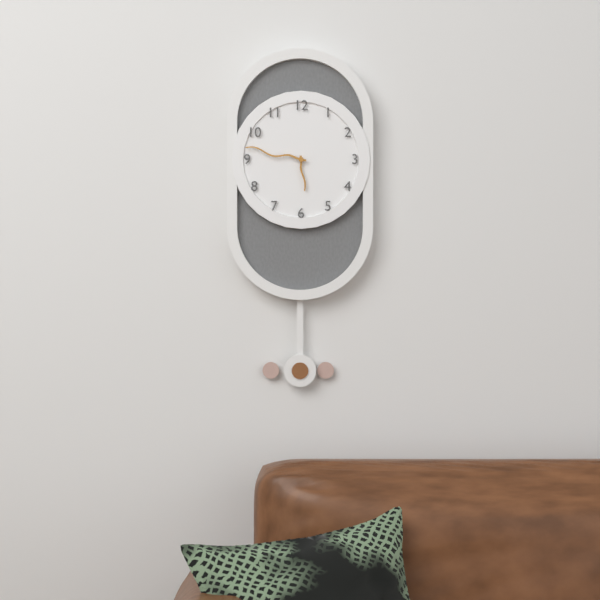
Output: 5.47
